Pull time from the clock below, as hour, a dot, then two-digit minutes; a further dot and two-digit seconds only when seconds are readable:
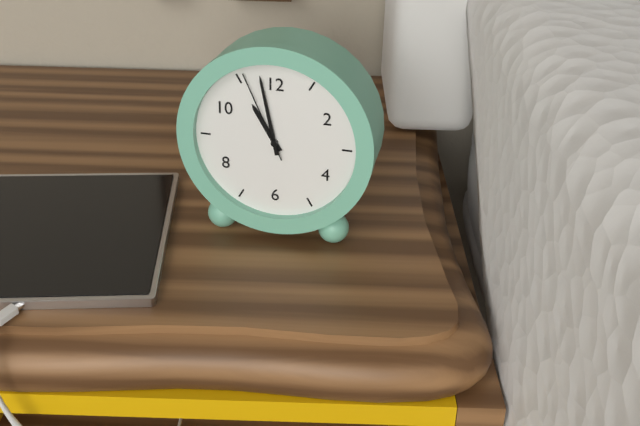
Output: 10.58.56
